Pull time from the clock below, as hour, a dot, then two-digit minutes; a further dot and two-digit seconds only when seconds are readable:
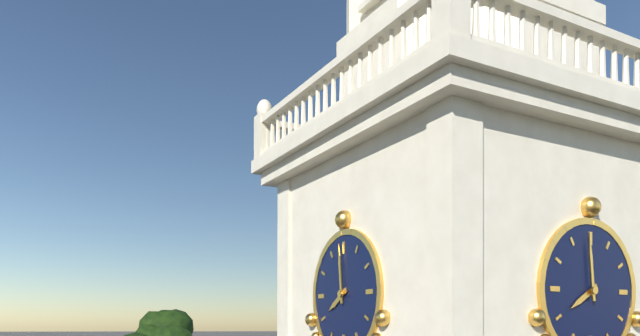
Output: 7.59
